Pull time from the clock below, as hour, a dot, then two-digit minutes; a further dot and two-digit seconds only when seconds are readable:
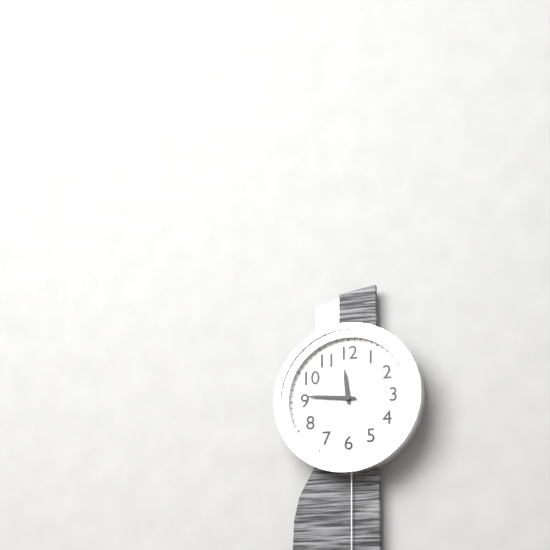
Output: 11.46
